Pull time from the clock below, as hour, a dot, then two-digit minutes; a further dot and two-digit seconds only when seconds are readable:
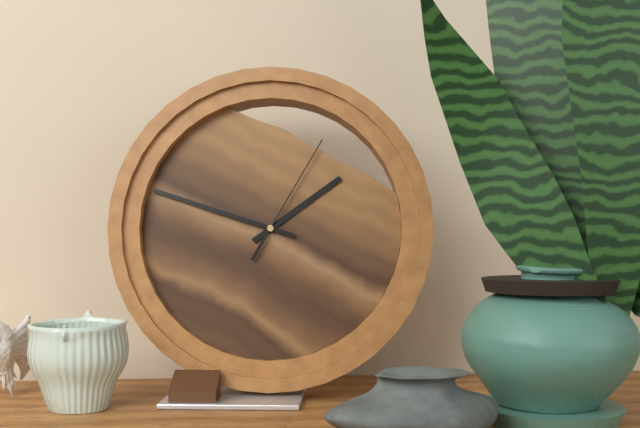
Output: 1.48.05
